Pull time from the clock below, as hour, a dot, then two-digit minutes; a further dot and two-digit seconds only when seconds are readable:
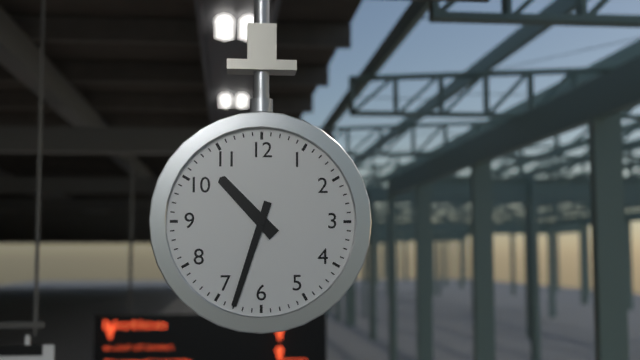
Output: 10.33
